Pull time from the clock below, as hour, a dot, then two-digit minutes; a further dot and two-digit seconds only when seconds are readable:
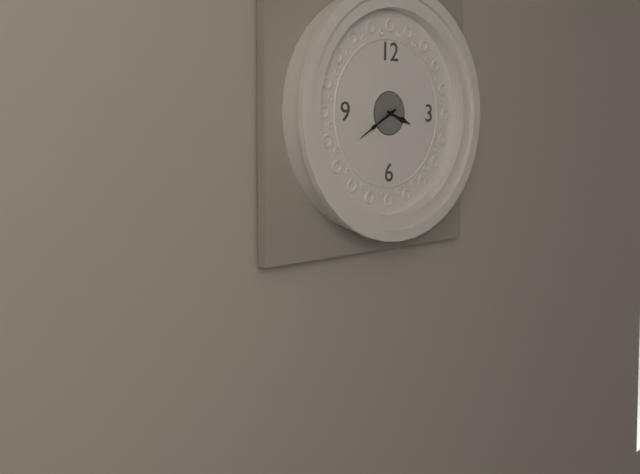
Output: 3.40
